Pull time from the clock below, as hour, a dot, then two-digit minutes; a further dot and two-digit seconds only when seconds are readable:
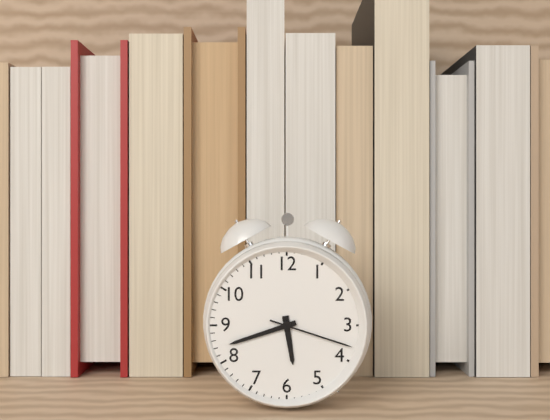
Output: 5.42.18
